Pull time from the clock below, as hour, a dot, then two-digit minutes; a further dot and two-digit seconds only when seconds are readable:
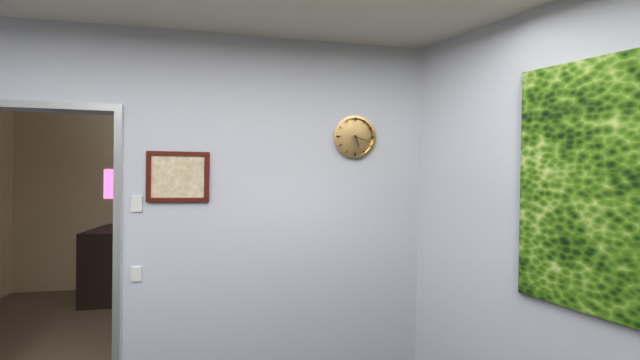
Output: 5.18
